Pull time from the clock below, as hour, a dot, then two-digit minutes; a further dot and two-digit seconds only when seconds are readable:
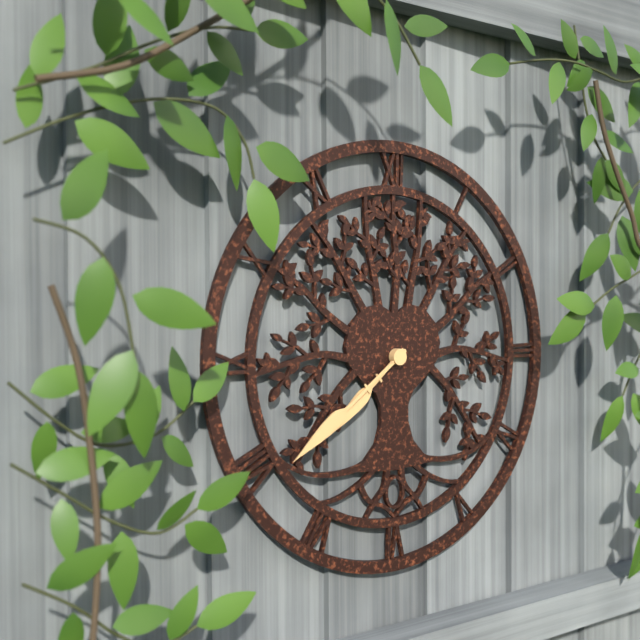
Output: 7.39
